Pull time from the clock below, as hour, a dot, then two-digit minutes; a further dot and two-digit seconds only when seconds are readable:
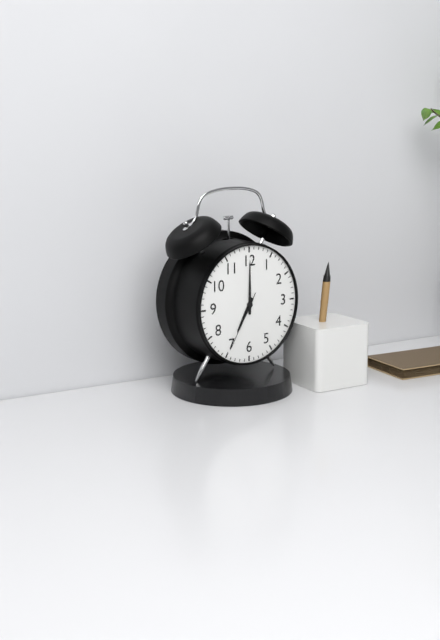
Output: 7.00.35
